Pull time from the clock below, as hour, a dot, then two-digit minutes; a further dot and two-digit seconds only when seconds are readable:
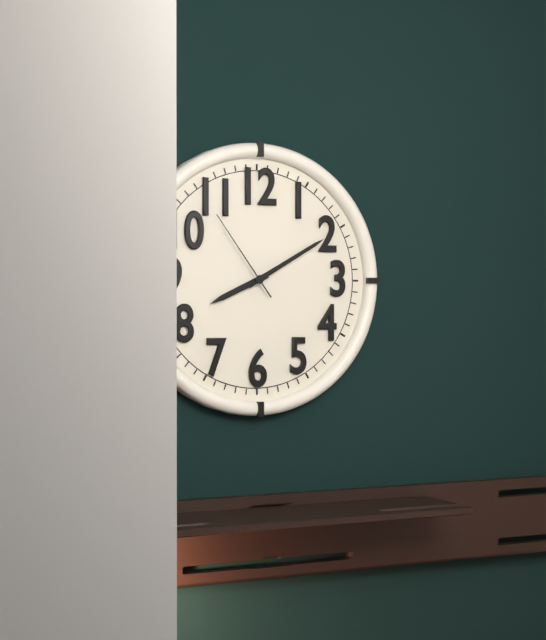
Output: 8.10.54
